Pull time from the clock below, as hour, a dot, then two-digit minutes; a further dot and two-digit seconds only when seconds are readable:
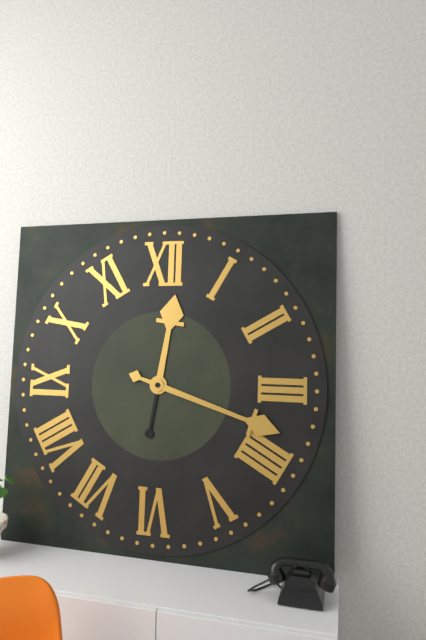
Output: 12.18
